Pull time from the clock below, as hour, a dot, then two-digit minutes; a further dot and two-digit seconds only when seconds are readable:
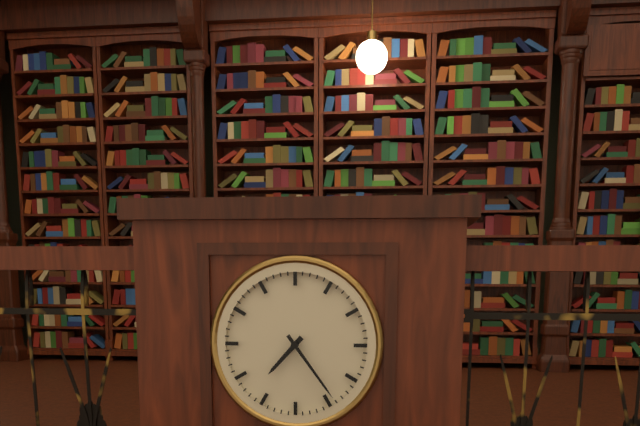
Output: 7.24
